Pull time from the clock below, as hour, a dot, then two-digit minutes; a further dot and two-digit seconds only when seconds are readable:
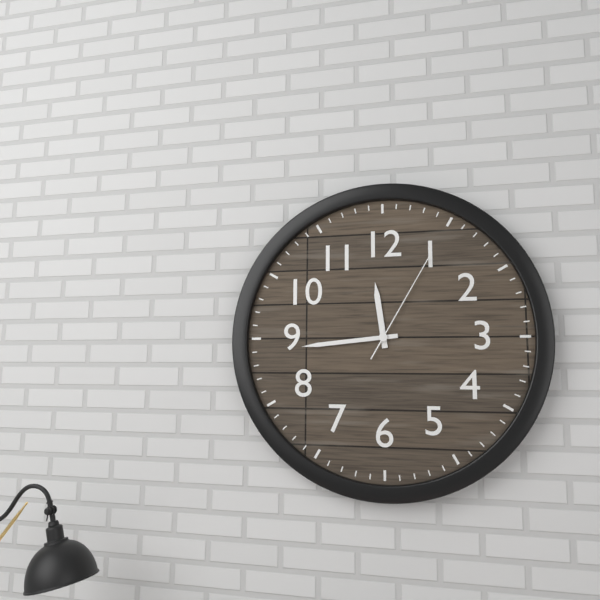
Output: 11.44.05
